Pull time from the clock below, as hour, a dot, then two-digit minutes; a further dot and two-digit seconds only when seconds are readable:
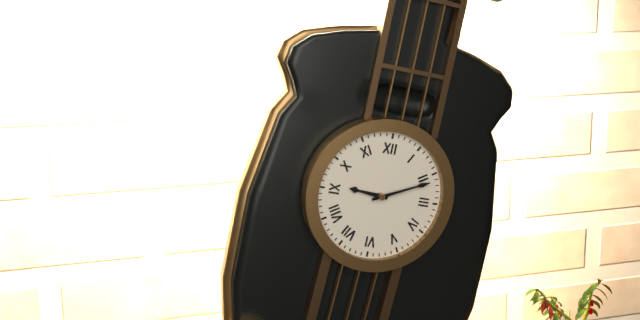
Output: 9.11
